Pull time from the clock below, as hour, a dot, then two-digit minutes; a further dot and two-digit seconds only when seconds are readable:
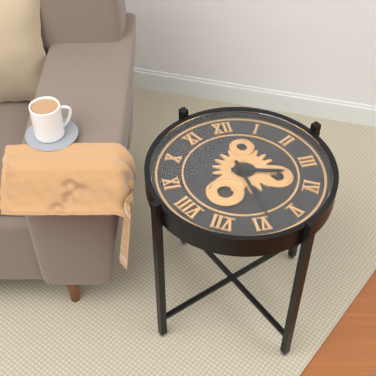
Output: 3.29
